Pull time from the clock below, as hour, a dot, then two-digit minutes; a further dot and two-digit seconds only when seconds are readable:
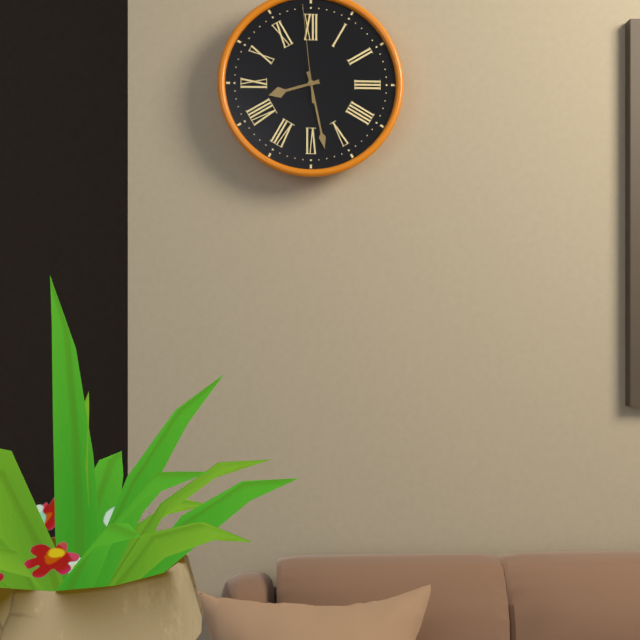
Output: 8.28.59
